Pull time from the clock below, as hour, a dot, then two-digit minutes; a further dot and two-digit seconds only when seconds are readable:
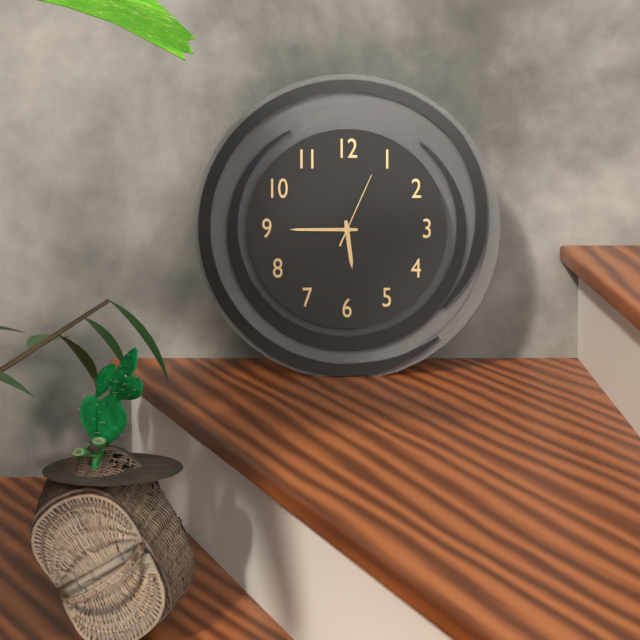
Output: 5.45.04
